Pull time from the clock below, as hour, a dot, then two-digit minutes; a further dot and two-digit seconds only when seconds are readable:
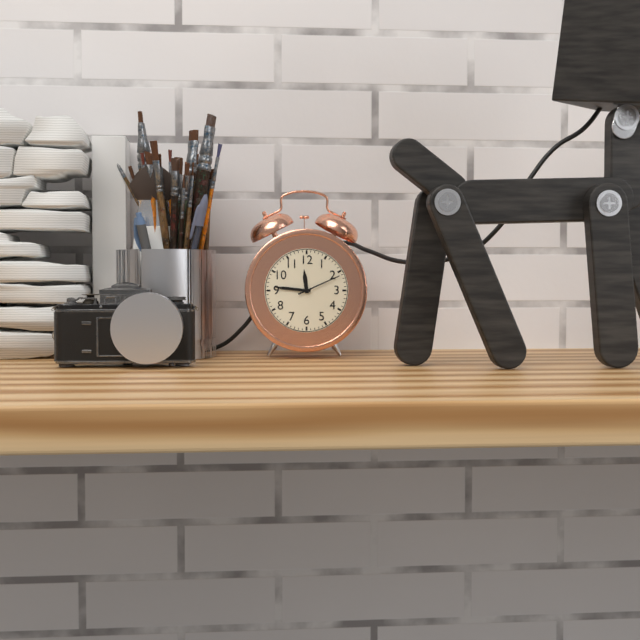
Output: 11.46
